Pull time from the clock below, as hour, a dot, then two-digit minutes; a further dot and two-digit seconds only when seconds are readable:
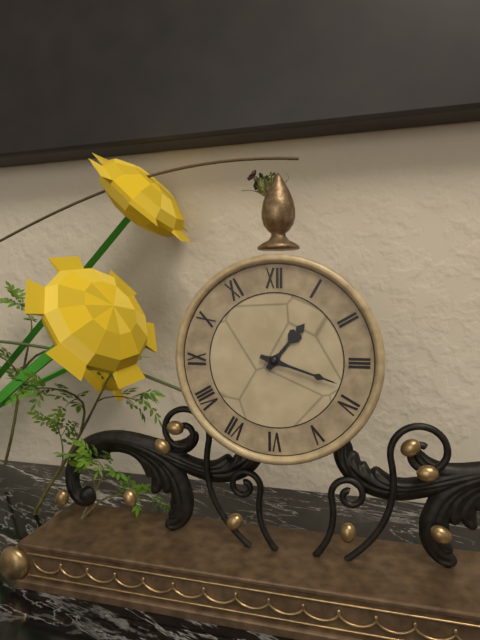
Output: 1.18
